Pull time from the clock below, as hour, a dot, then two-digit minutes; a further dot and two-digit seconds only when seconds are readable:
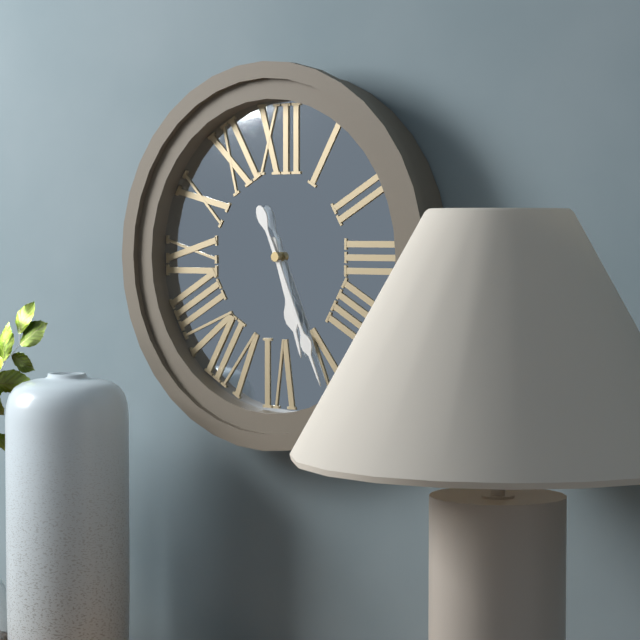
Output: 5.26
